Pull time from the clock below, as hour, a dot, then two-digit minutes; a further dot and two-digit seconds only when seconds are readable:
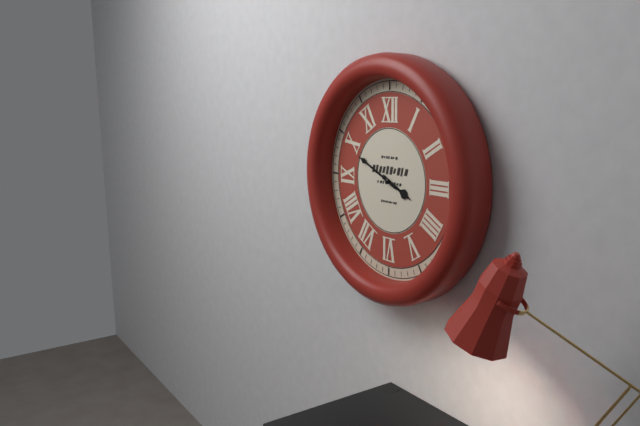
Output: 3.49
